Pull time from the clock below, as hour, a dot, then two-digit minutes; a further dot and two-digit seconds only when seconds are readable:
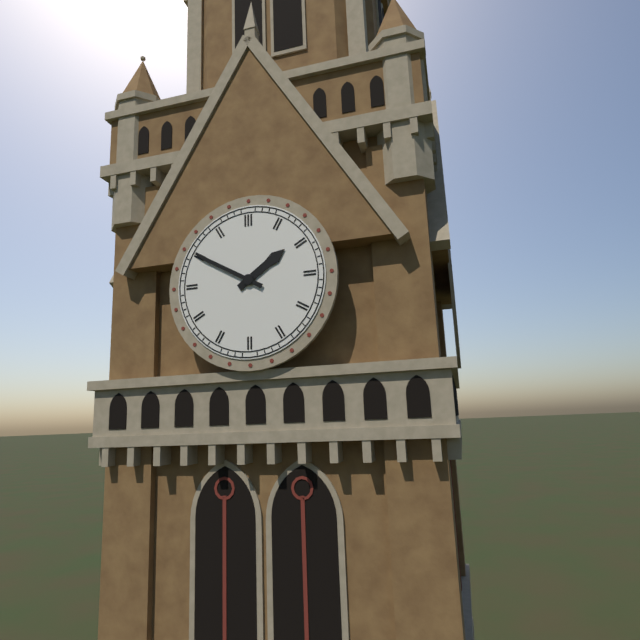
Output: 1.50
